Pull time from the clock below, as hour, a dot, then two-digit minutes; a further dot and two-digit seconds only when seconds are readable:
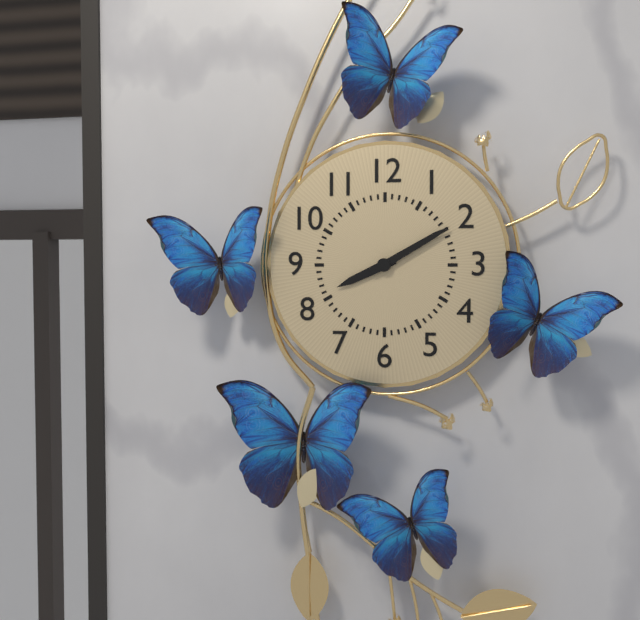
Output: 8.10
